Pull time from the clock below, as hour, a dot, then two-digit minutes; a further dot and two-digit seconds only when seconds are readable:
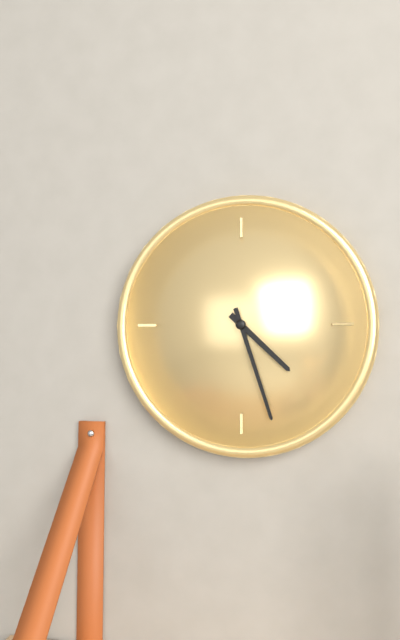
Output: 4.27
